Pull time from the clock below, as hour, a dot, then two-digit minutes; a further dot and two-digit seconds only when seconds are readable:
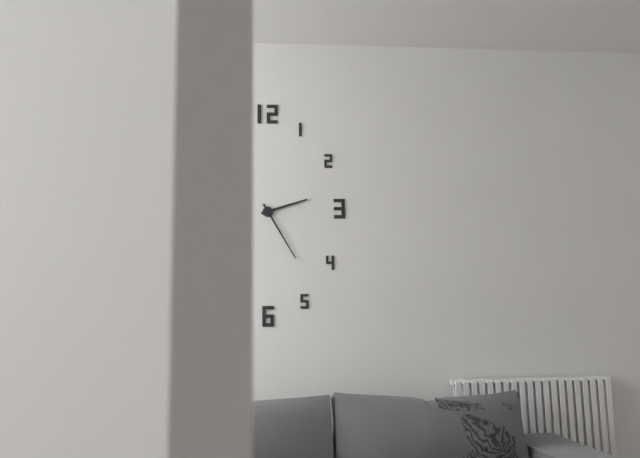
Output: 2.25
